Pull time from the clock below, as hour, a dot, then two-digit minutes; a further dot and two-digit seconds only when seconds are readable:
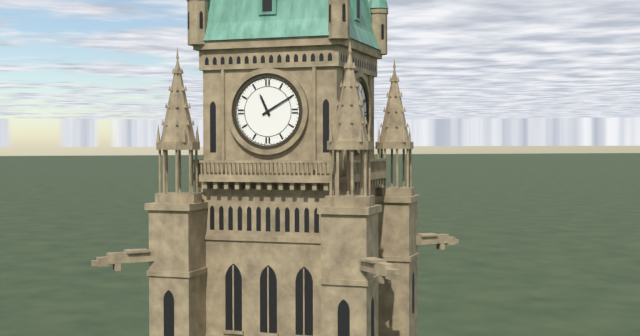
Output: 11.10
